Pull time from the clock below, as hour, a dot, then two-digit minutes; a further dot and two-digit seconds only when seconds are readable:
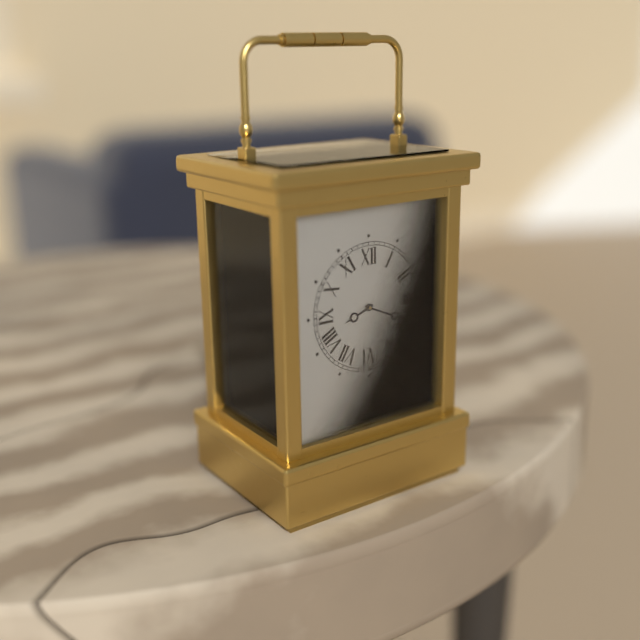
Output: 8.19
